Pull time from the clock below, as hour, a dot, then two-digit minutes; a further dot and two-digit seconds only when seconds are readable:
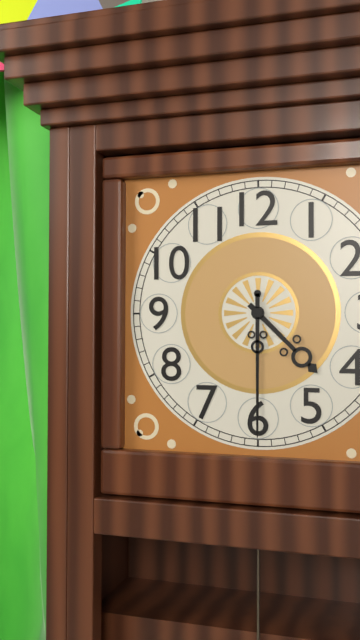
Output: 4.30
